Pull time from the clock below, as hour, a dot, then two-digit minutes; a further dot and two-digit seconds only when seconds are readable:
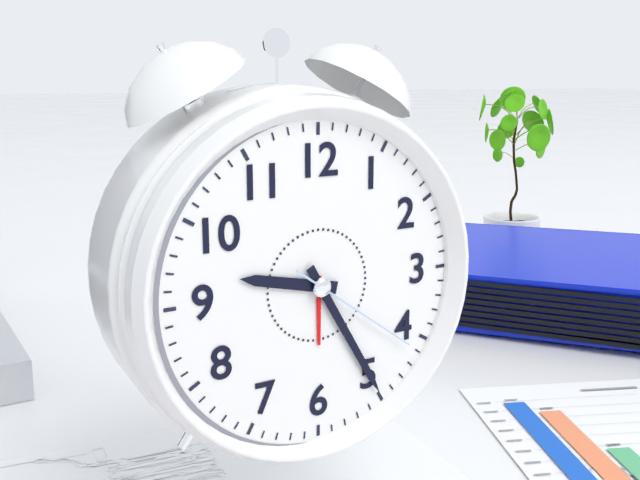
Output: 9.25.21
